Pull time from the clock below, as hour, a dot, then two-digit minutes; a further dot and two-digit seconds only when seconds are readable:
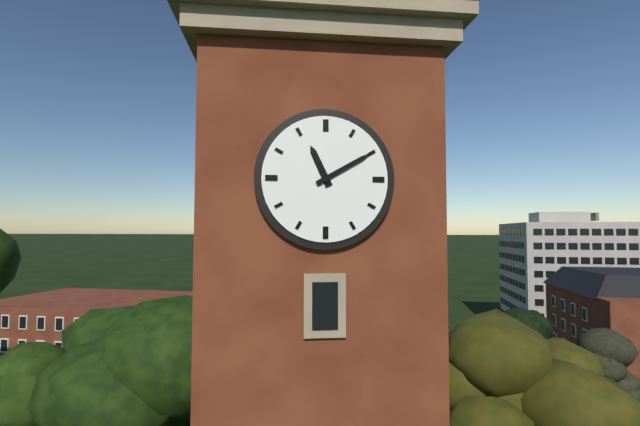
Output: 11.10
